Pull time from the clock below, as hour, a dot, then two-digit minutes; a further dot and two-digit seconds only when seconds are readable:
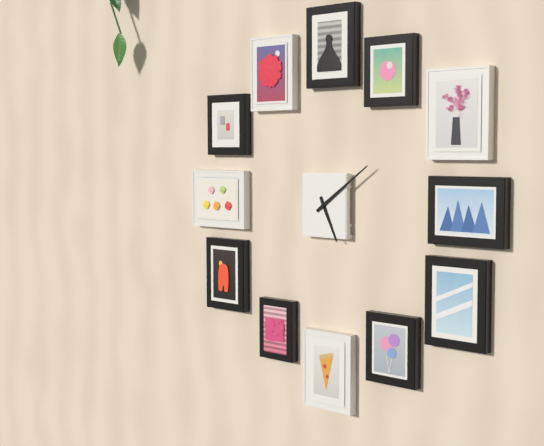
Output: 5.09
